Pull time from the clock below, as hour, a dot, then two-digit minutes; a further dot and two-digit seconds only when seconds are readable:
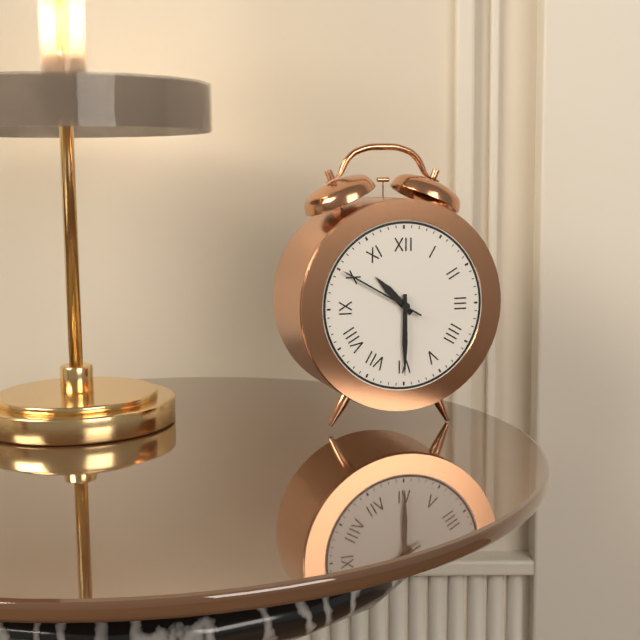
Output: 10.30.50
